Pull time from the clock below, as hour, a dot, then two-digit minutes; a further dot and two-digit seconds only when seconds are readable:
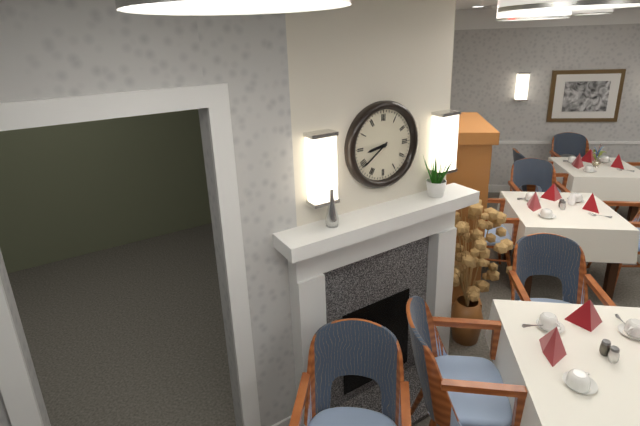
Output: 8.39
